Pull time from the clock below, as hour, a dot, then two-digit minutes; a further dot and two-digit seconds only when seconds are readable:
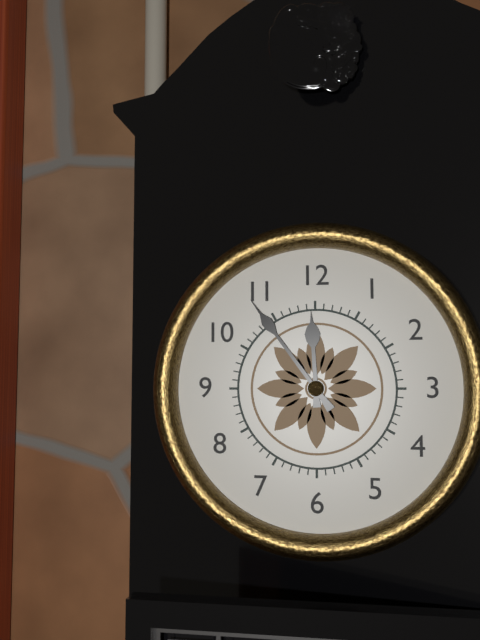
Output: 11.54
